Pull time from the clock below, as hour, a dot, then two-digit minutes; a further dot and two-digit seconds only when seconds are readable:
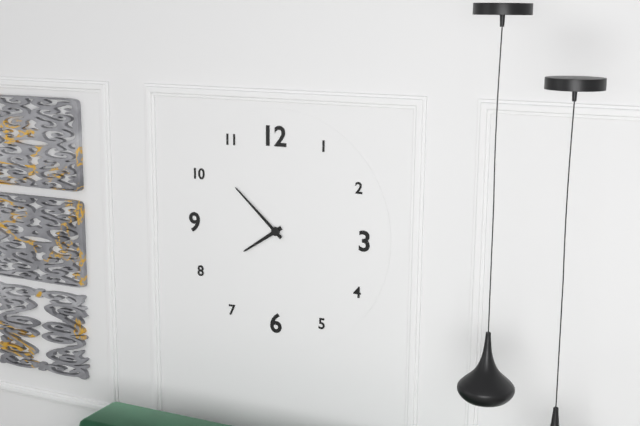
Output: 7.52
